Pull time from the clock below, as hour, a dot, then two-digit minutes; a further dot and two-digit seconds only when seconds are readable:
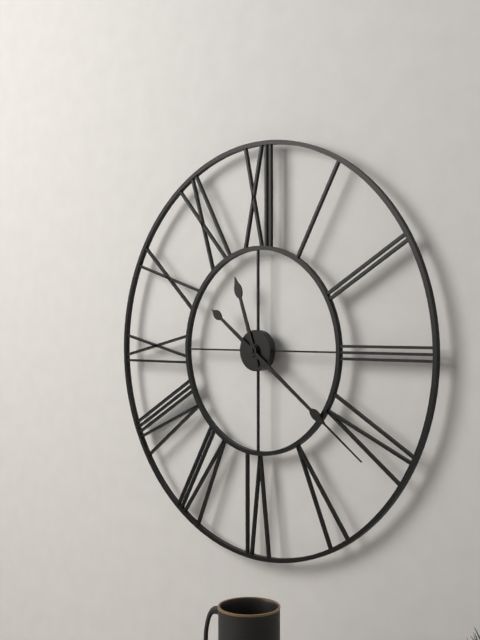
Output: 11.21
